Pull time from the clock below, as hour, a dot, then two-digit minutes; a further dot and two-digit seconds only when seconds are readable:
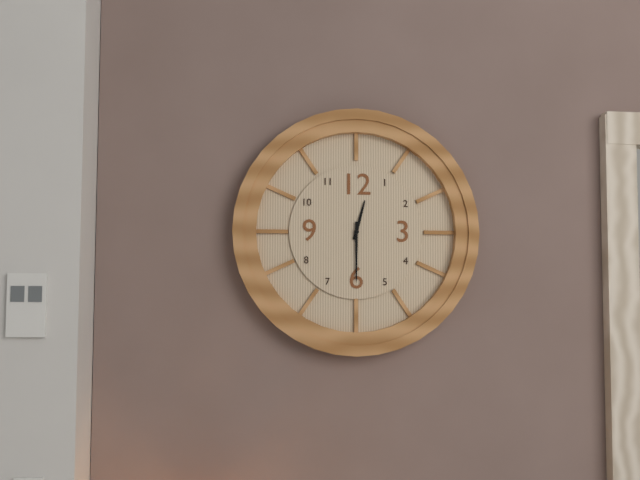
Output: 12.30
